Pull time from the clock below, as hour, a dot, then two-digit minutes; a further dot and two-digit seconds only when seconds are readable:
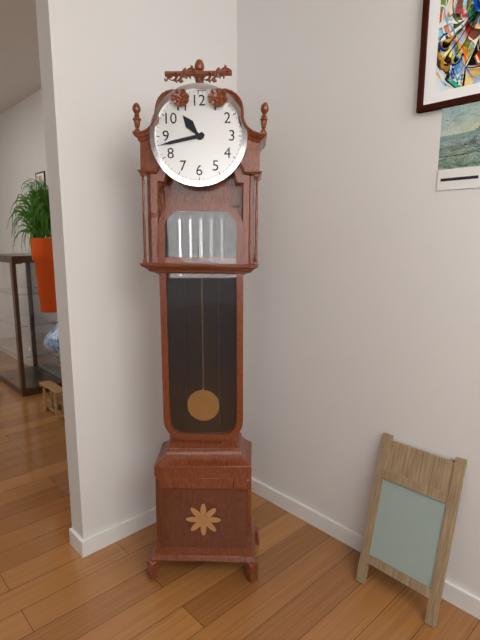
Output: 10.43
